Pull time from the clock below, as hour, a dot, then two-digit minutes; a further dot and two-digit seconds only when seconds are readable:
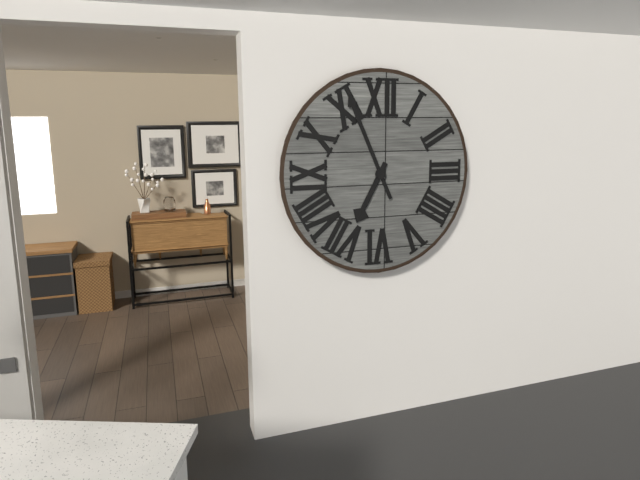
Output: 6.56
